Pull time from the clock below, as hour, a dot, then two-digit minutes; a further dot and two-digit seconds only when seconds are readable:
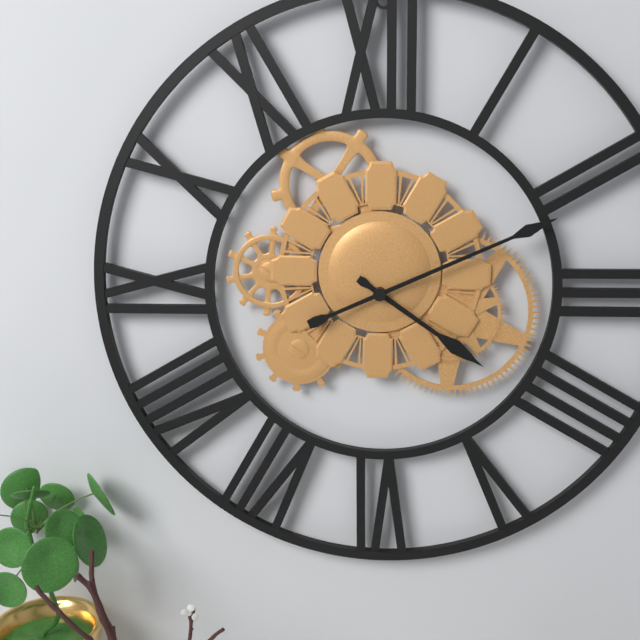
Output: 4.11
